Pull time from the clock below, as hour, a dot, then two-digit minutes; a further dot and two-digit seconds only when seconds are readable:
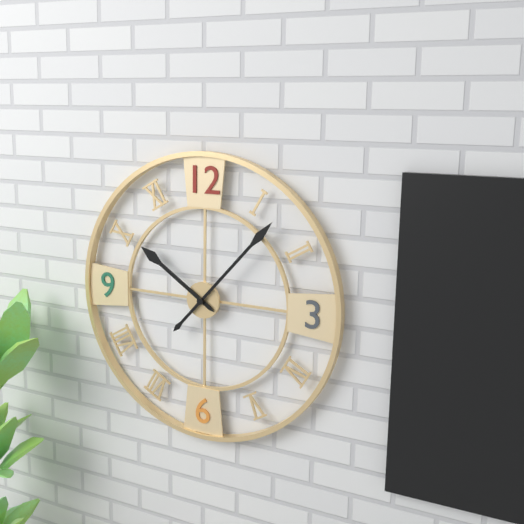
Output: 10.07
